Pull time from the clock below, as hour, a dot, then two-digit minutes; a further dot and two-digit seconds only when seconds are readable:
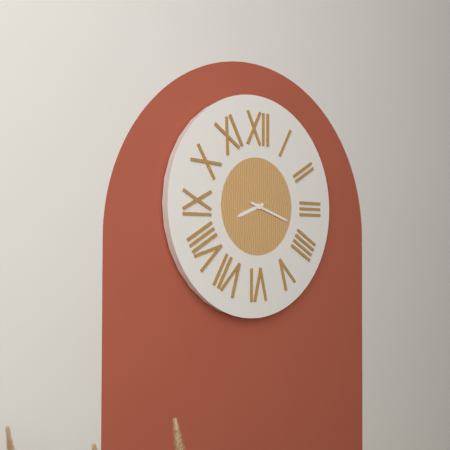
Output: 8.18
